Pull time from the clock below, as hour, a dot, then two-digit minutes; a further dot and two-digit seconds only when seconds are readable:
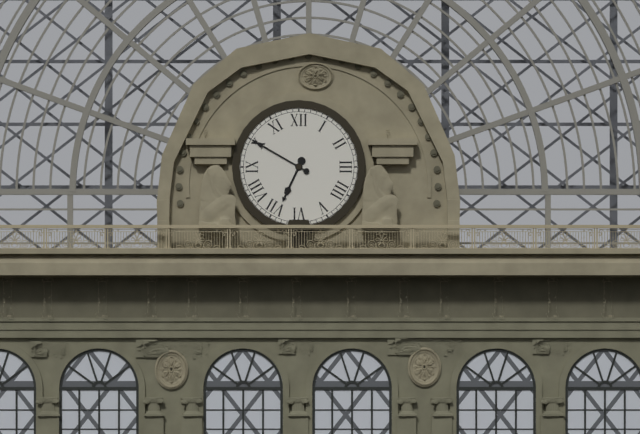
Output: 6.50
